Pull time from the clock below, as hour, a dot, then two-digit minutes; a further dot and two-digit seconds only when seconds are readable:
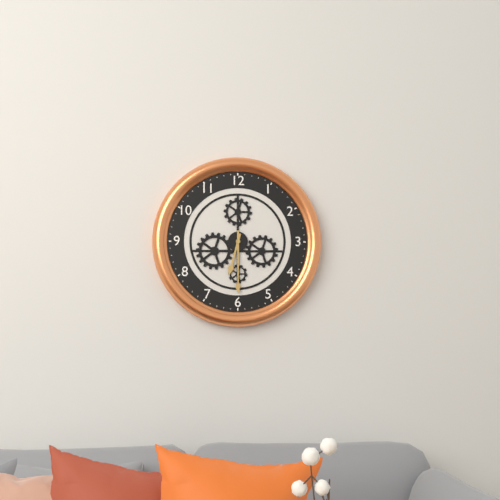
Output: 6.30
